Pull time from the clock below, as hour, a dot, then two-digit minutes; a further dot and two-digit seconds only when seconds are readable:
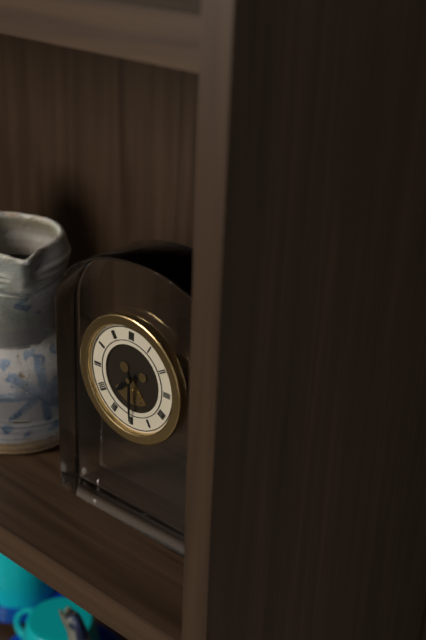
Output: 7.30
